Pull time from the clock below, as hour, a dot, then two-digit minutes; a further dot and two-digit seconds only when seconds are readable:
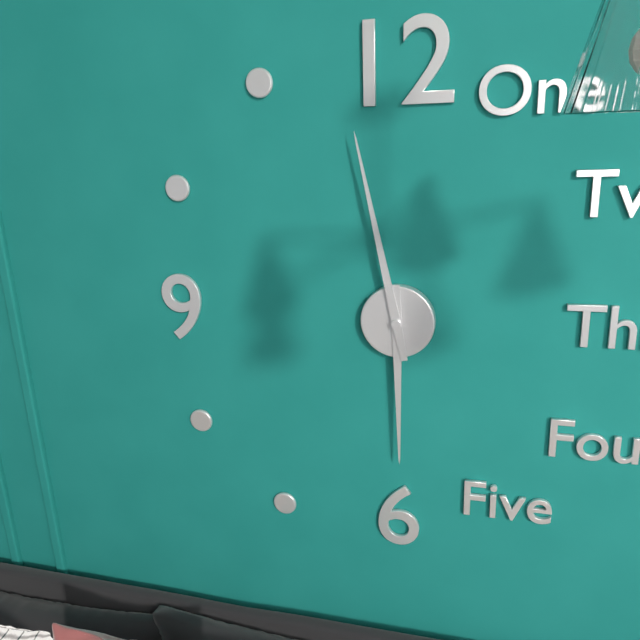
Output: 5.58
